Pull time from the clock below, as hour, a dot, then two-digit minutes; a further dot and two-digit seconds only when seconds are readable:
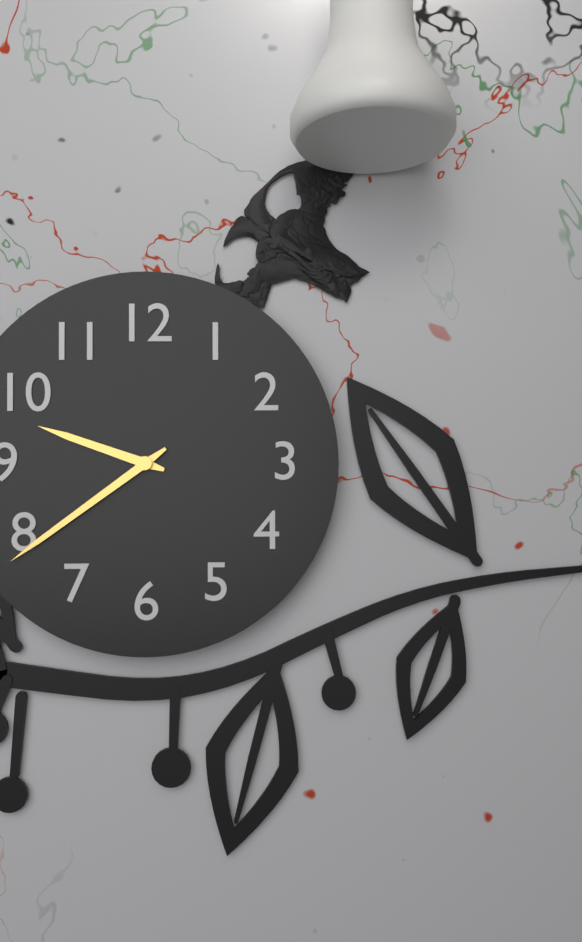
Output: 9.39
